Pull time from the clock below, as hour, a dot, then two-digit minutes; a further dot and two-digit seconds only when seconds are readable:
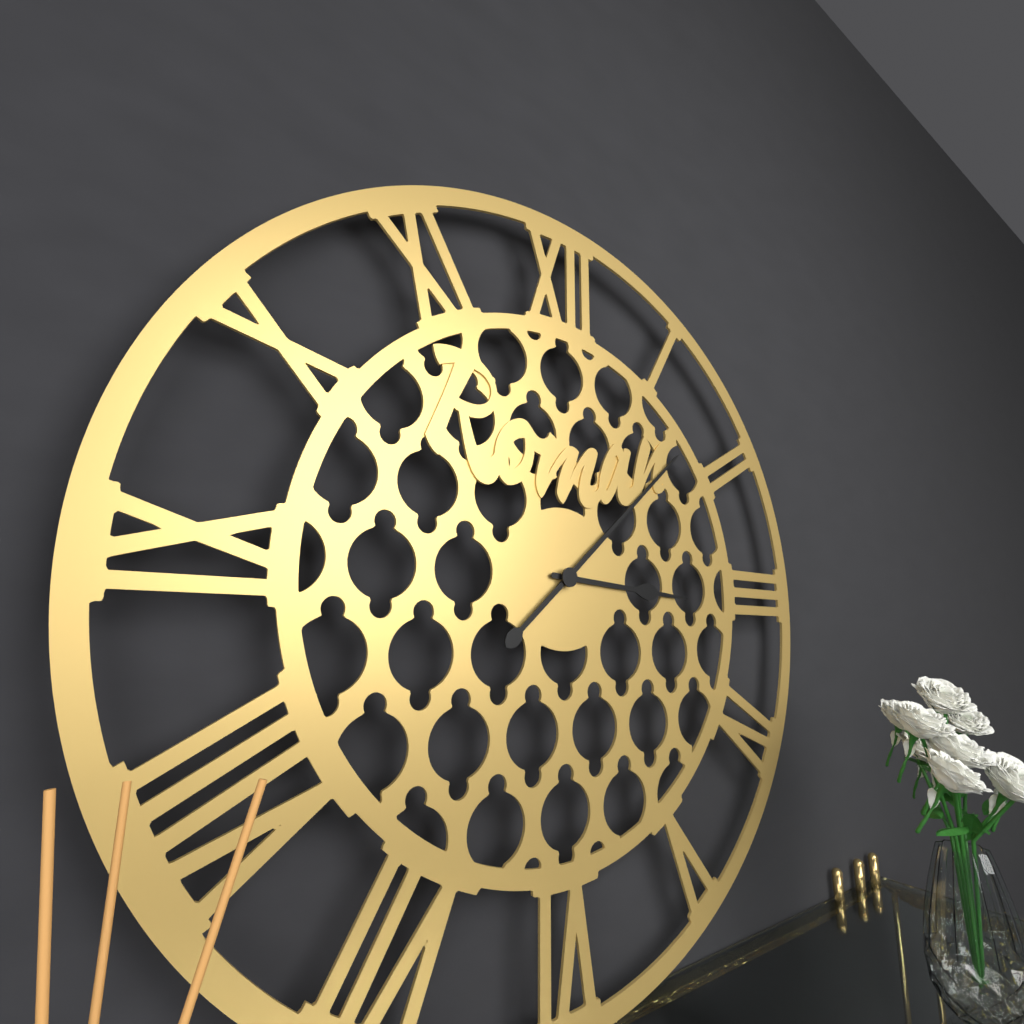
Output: 3.08
